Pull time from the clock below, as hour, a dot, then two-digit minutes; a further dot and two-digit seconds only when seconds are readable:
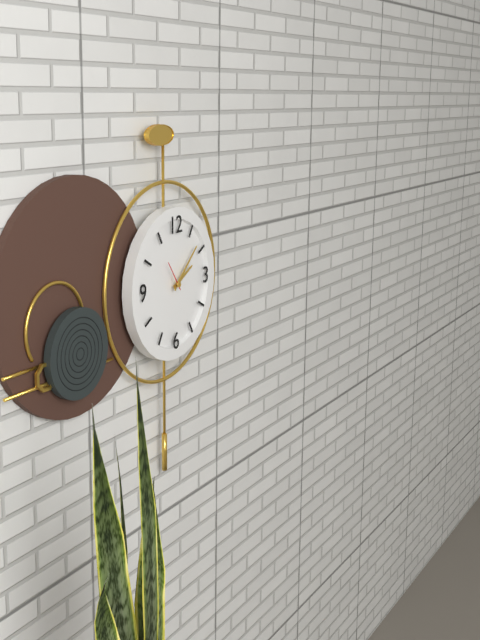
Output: 2.08
